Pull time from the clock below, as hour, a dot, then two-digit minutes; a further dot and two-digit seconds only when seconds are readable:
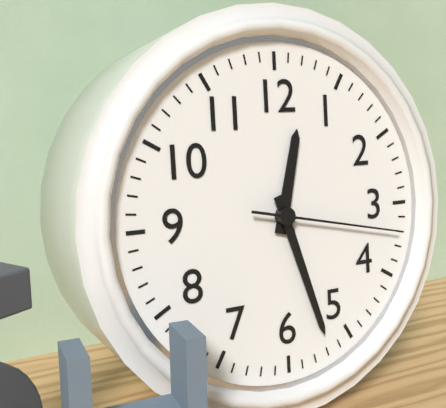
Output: 12.27.17
